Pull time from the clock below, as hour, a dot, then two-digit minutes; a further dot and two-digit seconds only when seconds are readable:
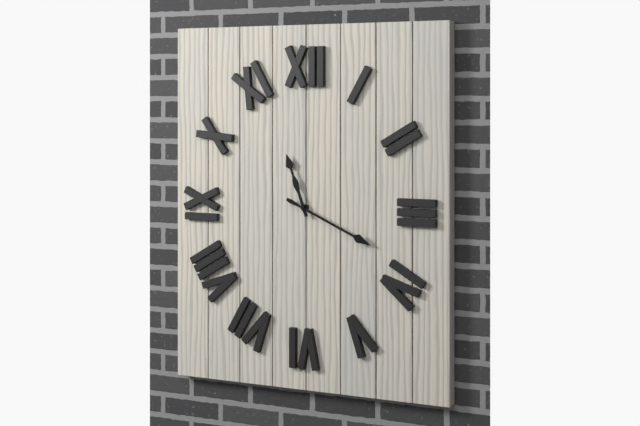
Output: 11.19
